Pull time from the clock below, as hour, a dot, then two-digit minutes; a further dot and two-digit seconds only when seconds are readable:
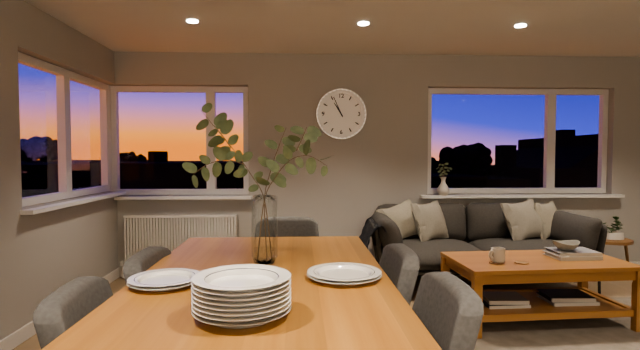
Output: 10.56
